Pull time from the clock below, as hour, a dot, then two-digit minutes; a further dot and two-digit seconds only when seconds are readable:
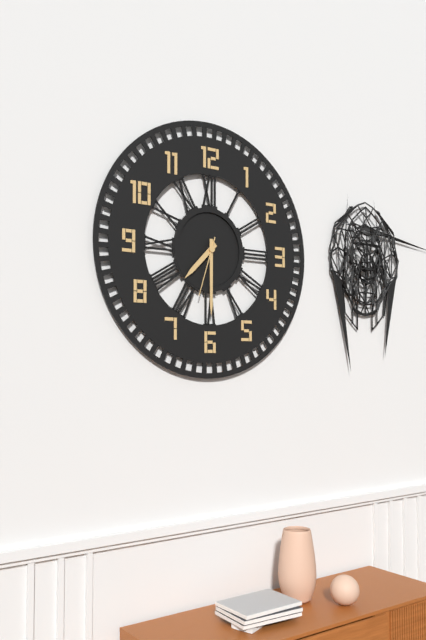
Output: 7.30.33
